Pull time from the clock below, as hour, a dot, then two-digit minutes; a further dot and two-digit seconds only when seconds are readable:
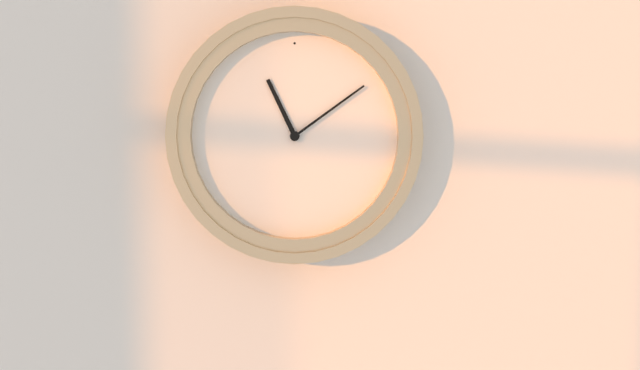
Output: 11.09
